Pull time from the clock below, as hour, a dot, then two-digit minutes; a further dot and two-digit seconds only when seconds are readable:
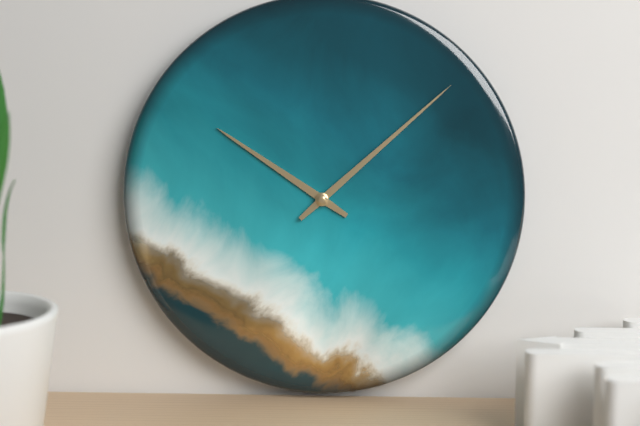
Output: 10.08
